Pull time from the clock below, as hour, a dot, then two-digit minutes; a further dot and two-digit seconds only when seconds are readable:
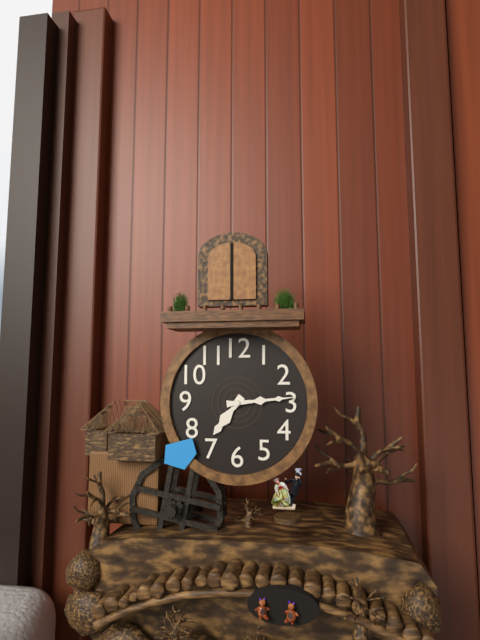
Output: 7.14
